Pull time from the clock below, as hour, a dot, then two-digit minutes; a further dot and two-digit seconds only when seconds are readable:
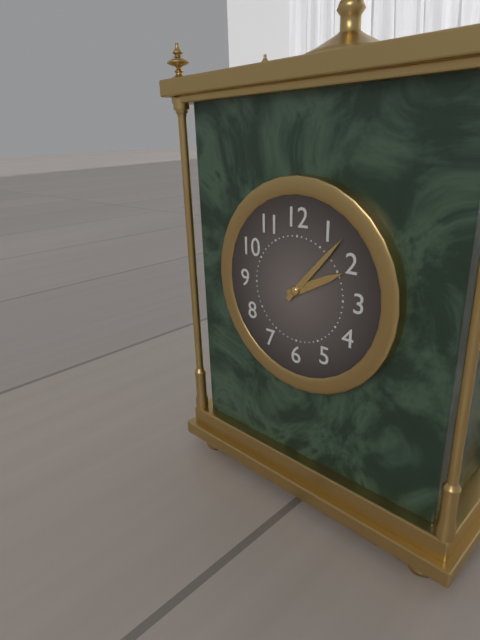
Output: 2.07
